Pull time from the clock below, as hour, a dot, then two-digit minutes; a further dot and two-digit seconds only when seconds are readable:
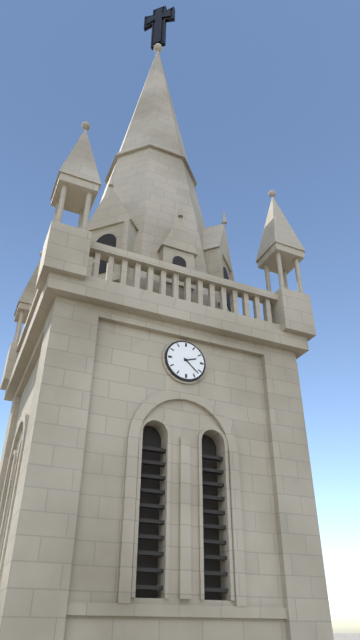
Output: 2.22
